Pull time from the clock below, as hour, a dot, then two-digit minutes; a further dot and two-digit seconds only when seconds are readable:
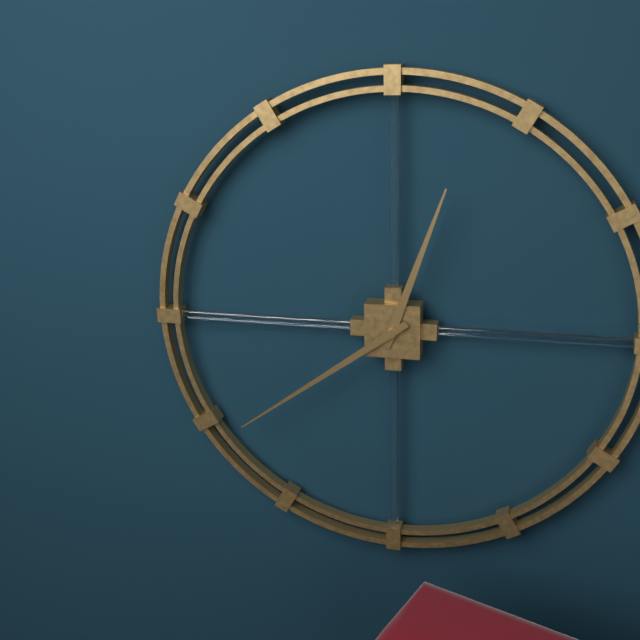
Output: 12.39
